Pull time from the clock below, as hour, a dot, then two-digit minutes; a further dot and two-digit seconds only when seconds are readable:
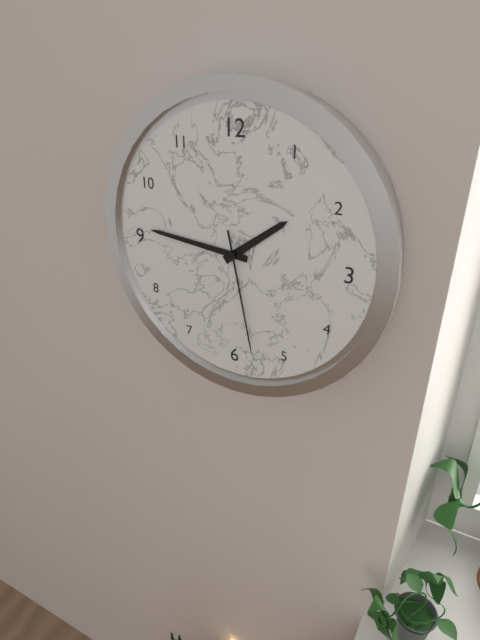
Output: 1.46.28
